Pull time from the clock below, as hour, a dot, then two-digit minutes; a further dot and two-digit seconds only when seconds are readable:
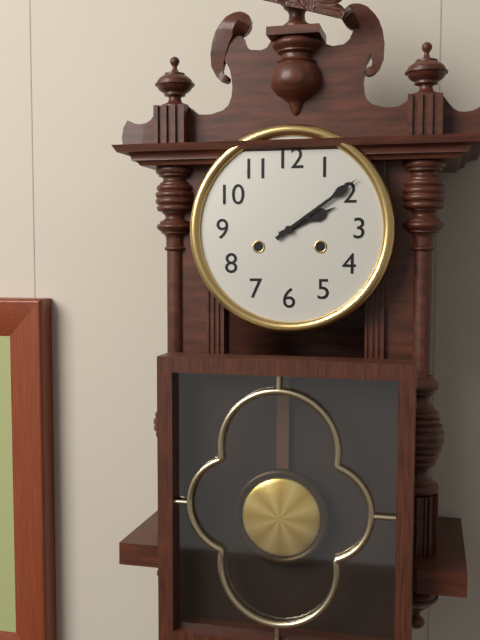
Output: 2.09
